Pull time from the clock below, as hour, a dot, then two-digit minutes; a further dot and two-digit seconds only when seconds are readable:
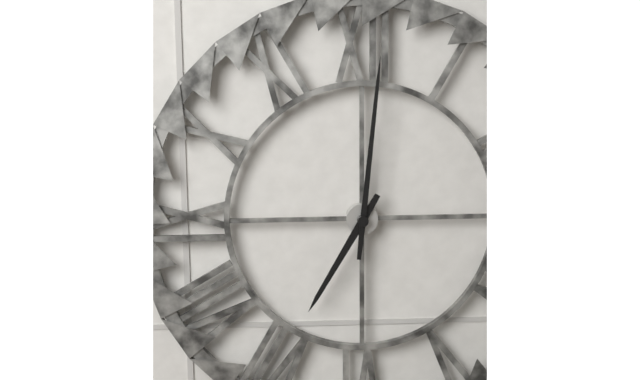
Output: 7.01
